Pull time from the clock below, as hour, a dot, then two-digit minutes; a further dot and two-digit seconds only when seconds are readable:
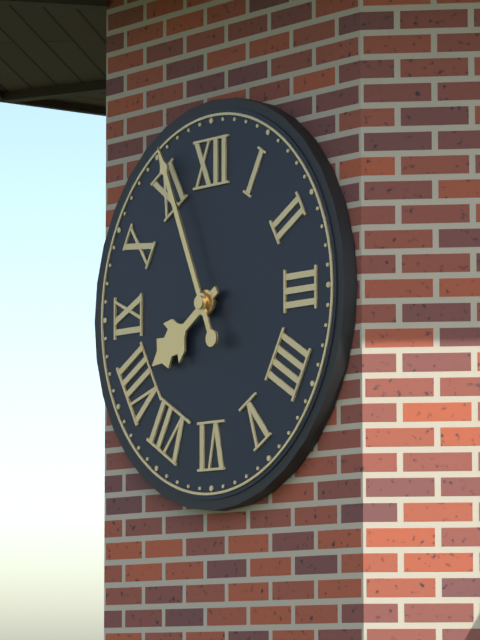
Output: 7.56
